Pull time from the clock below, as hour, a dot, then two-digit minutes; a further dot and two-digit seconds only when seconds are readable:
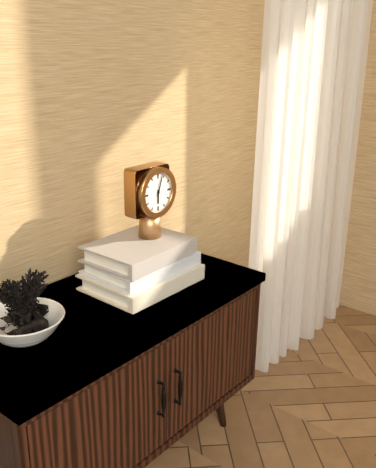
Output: 6.03
